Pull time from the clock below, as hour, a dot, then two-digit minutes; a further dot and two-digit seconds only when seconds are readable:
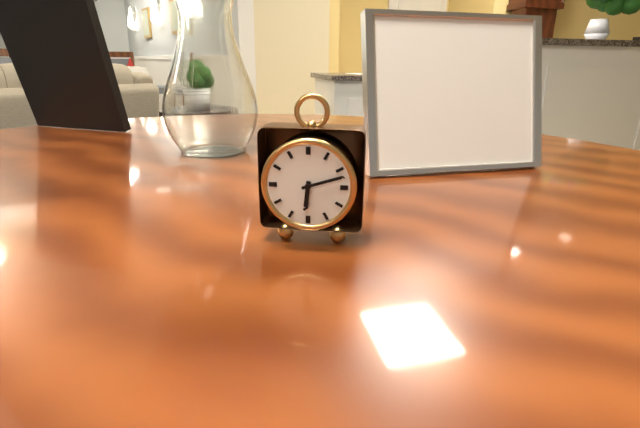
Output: 6.12
